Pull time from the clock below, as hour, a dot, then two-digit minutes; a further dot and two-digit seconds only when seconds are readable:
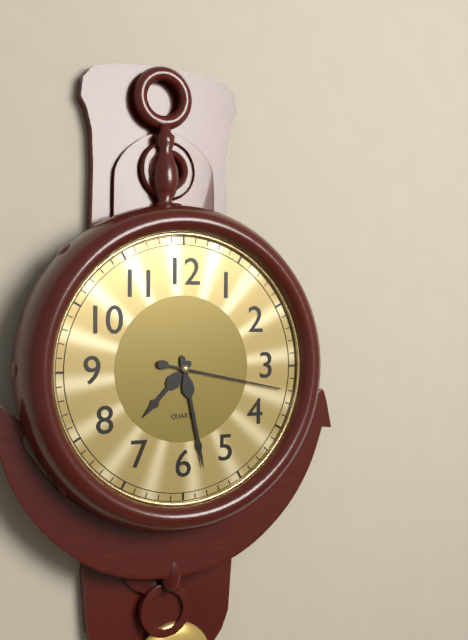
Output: 7.28.17
